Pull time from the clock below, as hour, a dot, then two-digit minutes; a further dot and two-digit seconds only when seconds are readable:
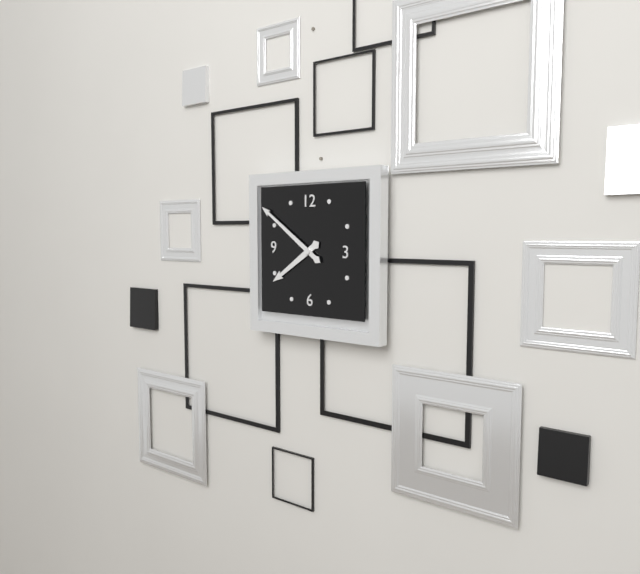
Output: 7.51
